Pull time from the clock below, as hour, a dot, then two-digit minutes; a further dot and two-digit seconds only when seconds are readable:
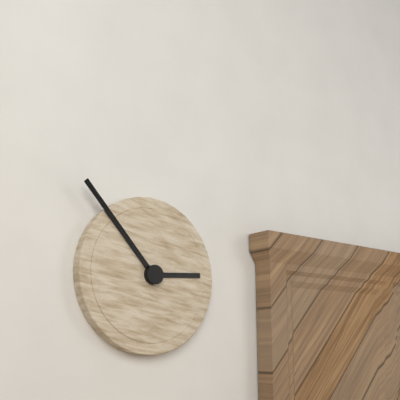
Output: 2.53
